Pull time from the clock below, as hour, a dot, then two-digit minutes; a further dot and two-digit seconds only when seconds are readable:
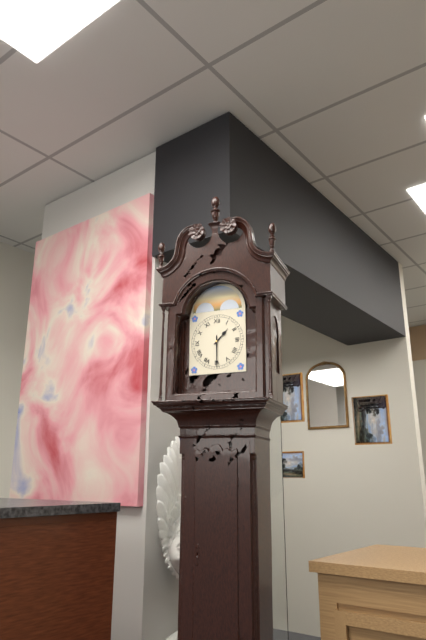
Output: 1.30
